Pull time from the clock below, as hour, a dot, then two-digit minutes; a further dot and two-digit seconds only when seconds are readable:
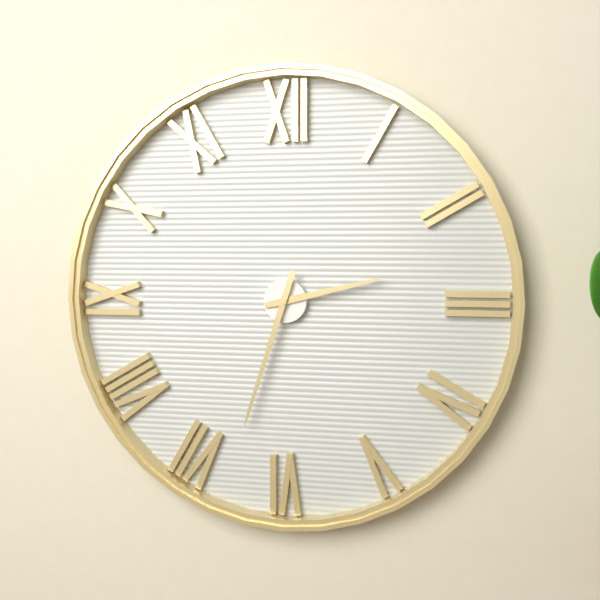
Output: 2.33
